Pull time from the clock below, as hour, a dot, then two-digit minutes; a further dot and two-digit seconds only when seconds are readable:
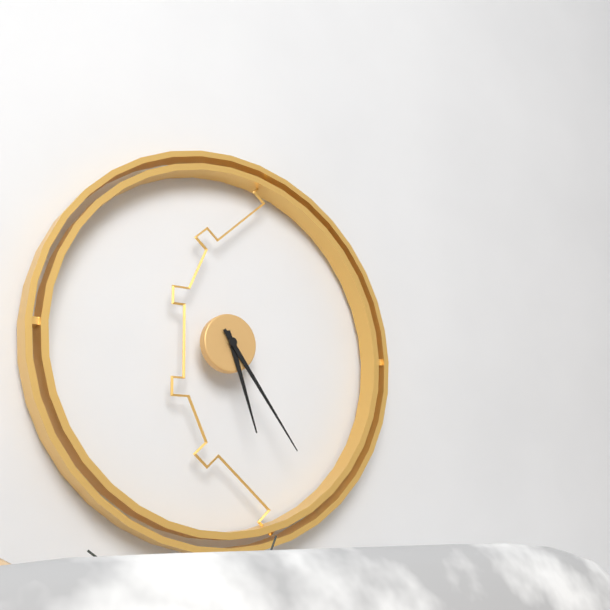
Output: 5.24
